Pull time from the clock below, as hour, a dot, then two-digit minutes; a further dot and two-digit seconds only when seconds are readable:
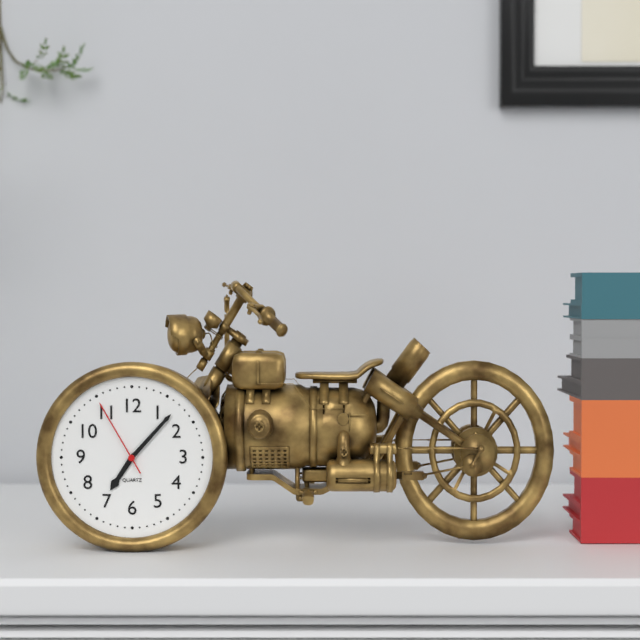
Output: 7.07.55
